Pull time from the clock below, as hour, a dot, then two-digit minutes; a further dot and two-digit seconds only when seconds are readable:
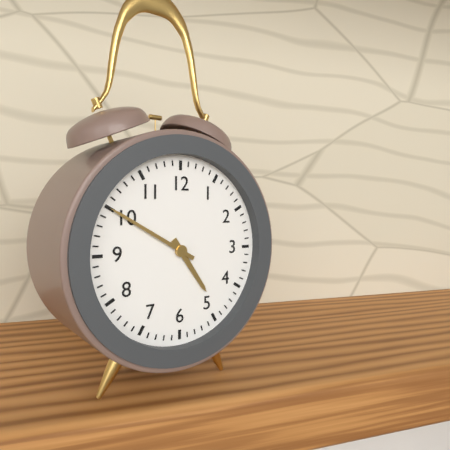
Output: 4.50
